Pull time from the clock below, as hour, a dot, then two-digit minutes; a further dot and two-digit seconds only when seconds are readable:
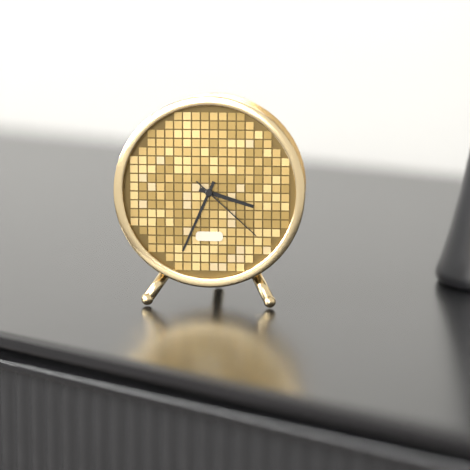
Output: 3.34.22
